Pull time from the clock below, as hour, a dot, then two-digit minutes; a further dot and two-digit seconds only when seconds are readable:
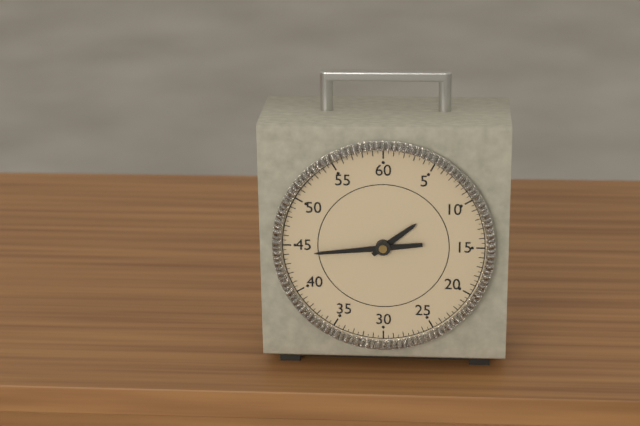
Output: 1.44
